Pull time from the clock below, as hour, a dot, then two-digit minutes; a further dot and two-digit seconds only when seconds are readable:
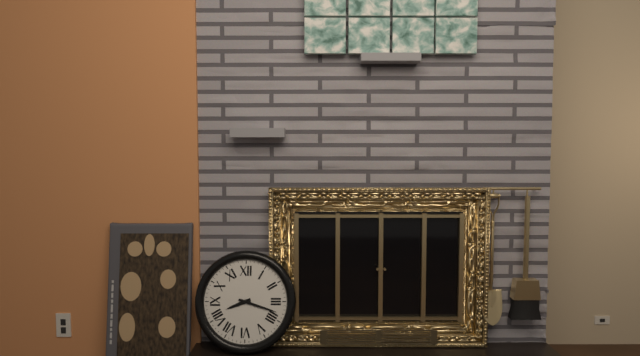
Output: 8.18
